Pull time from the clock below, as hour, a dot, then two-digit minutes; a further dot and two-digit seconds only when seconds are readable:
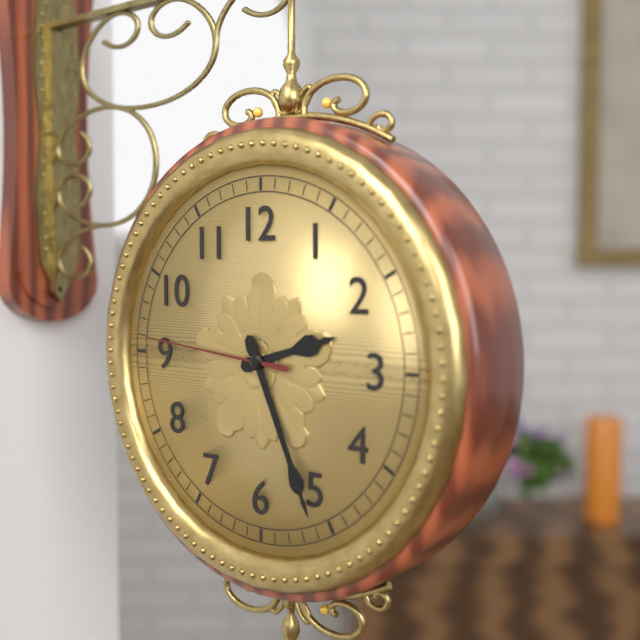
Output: 2.26.46
